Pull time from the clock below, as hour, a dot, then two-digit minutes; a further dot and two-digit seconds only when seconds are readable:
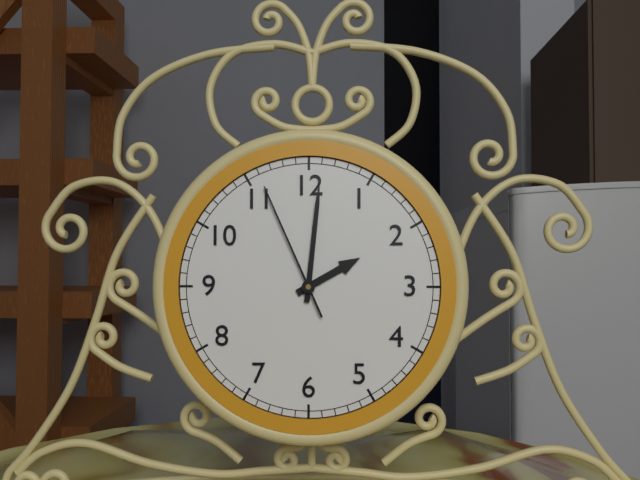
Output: 2.01.56
